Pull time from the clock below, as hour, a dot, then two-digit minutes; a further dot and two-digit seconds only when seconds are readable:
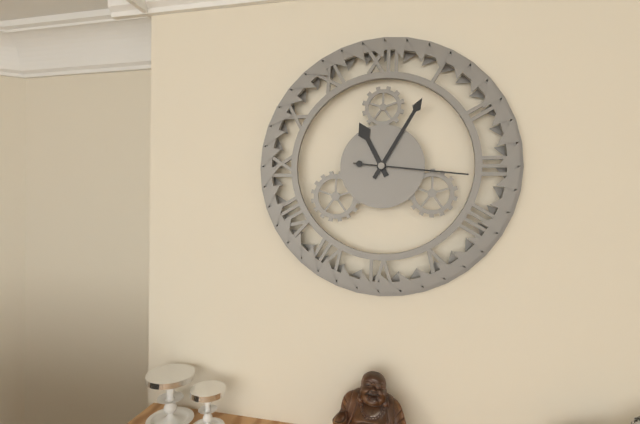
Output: 11.05.16
